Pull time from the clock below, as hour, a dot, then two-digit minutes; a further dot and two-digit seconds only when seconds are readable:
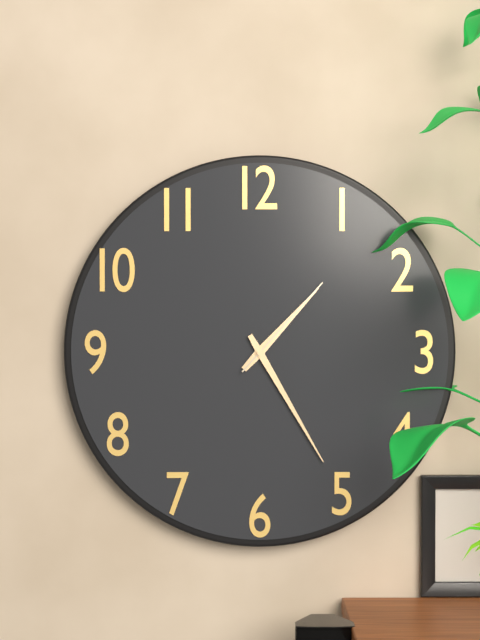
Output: 1.25.07
